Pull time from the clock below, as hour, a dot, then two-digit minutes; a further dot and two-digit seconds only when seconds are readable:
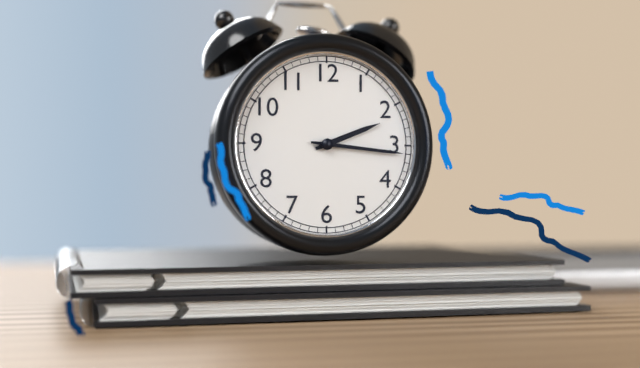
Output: 2.16
